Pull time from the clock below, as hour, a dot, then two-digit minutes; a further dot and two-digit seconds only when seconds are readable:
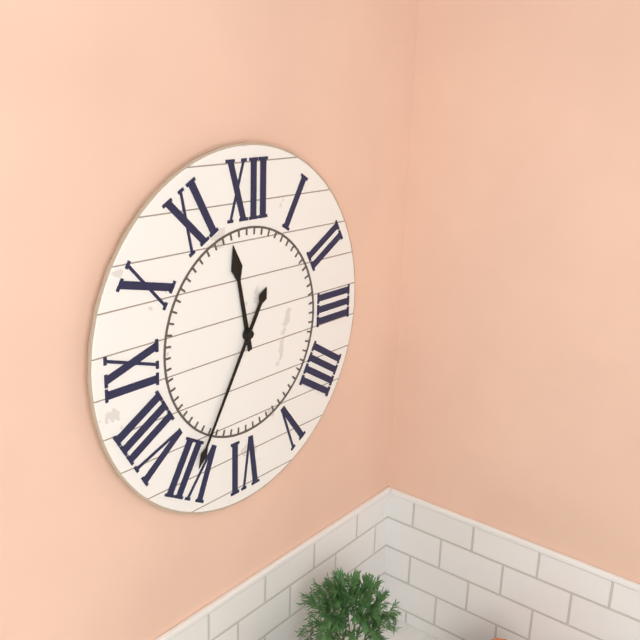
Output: 11.35
